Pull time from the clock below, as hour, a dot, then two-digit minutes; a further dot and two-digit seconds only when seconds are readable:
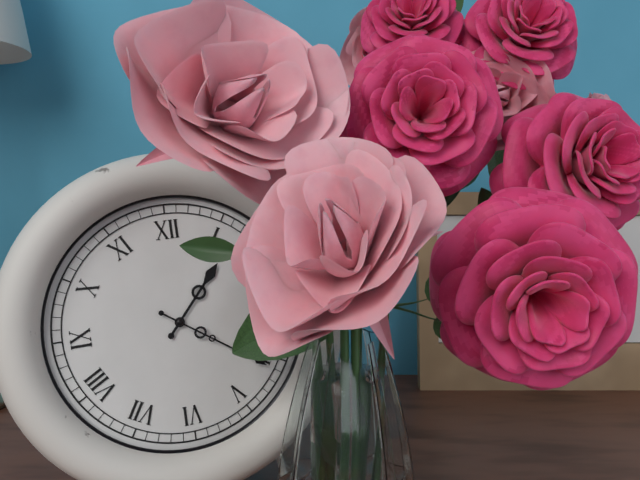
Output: 1.21
